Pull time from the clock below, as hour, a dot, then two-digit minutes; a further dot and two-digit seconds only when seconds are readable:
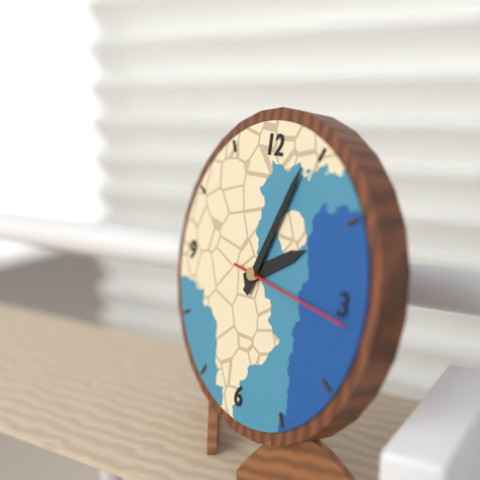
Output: 2.04.16
